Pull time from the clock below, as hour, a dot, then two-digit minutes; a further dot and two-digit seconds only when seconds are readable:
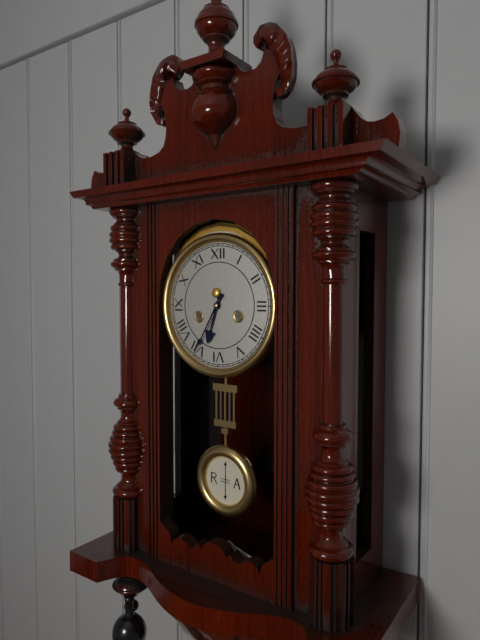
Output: 6.35
